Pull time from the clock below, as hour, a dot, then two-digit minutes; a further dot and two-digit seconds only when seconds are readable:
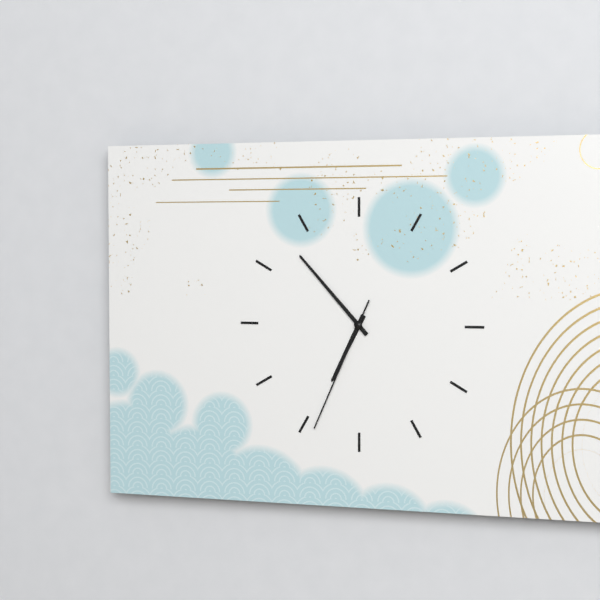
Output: 6.53.34
